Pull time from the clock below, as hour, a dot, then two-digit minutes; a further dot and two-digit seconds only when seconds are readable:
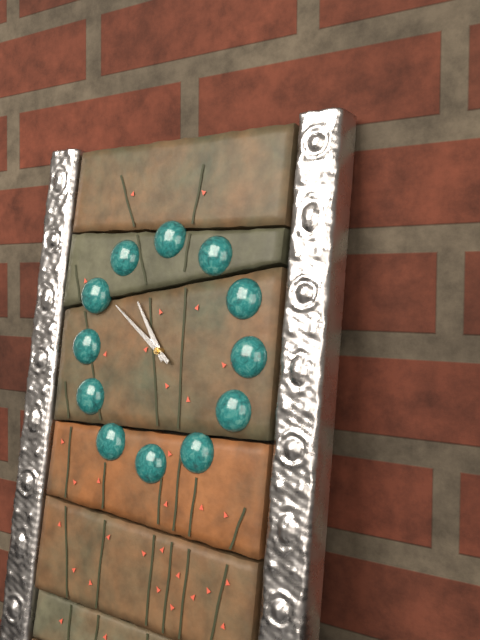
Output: 10.51
